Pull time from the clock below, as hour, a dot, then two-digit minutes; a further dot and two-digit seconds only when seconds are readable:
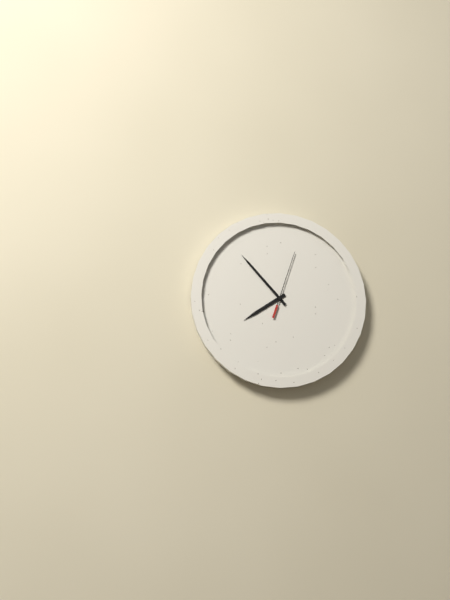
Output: 7.53.03
